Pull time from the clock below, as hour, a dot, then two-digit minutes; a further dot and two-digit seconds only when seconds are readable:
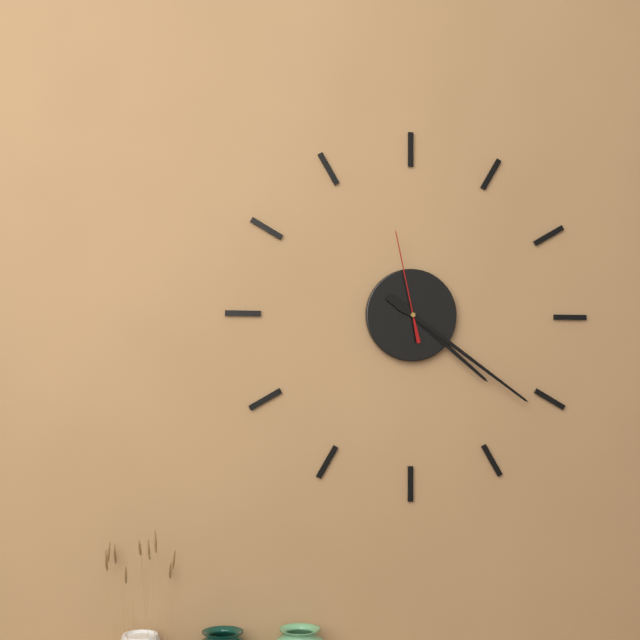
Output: 4.21.58
